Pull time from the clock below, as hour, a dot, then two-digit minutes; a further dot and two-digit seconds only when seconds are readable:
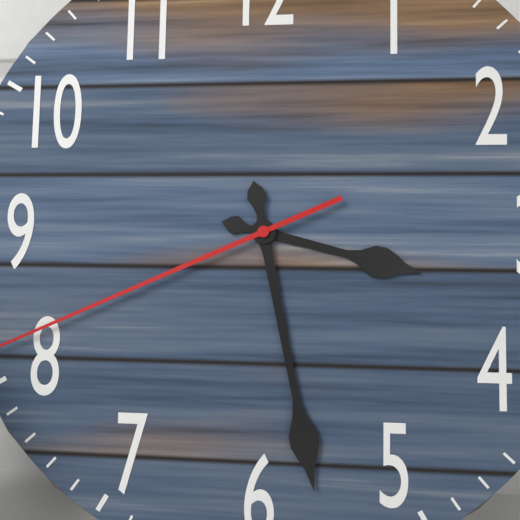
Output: 3.28
